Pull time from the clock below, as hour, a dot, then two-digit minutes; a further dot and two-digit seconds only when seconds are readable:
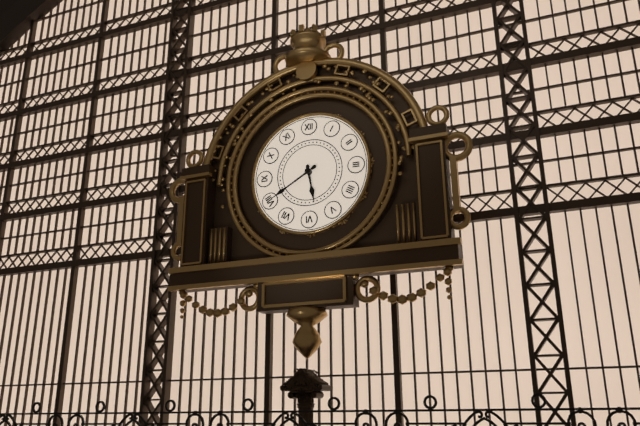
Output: 5.40
